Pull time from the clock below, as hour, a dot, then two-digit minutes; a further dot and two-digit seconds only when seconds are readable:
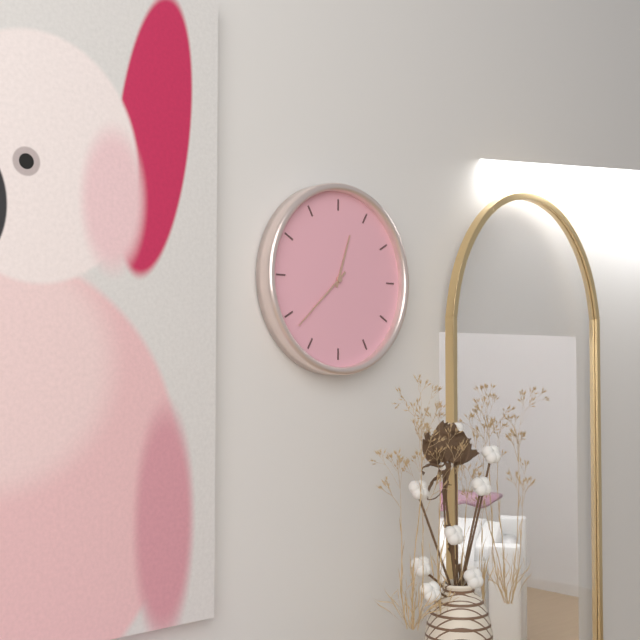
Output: 12.38
